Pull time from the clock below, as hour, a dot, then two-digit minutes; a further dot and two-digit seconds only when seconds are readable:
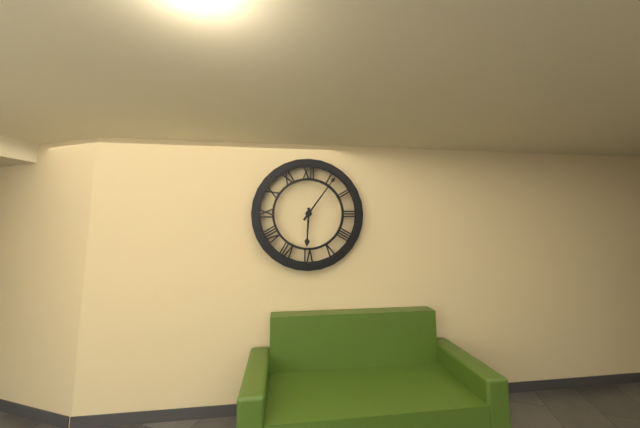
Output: 6.06
